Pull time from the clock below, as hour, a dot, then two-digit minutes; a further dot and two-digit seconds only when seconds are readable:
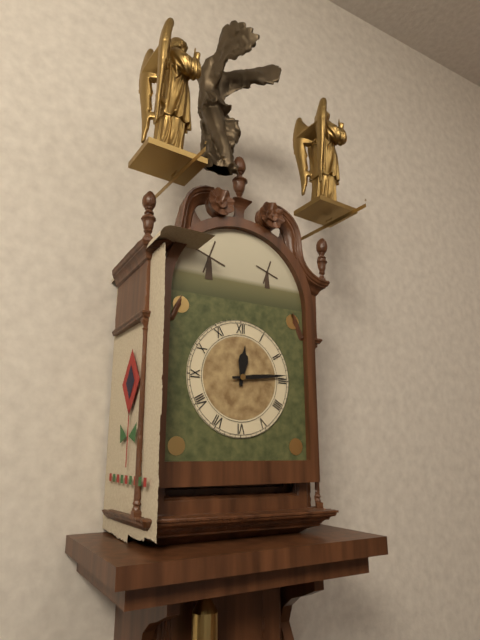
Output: 12.14
